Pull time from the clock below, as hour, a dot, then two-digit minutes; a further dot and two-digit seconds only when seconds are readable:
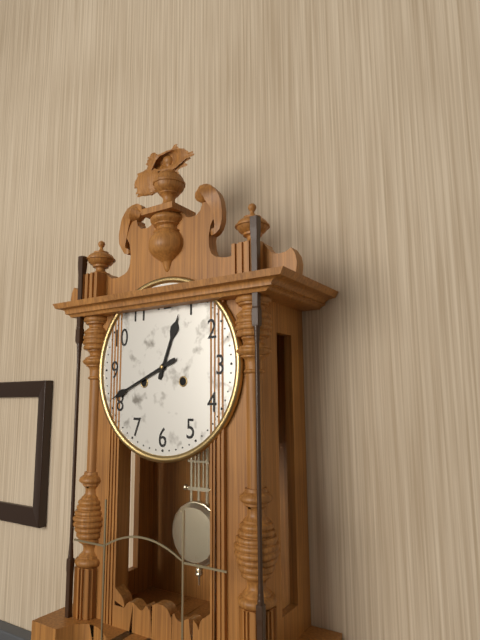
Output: 12.41
